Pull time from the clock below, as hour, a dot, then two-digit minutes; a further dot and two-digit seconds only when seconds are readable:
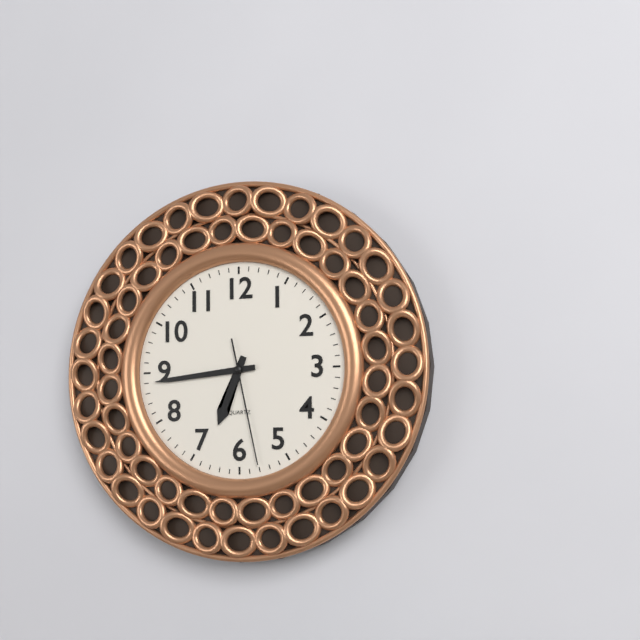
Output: 6.44.28
